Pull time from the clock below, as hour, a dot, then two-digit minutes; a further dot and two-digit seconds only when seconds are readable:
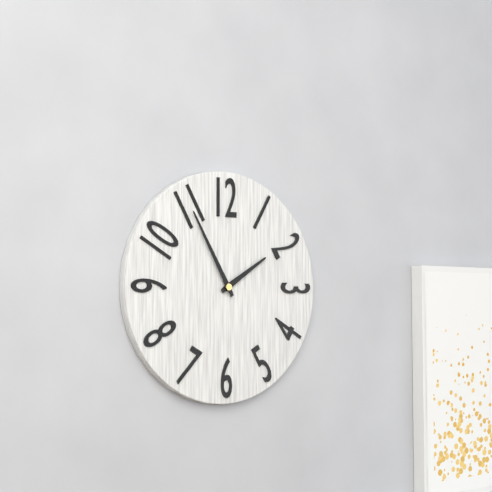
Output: 1.55
